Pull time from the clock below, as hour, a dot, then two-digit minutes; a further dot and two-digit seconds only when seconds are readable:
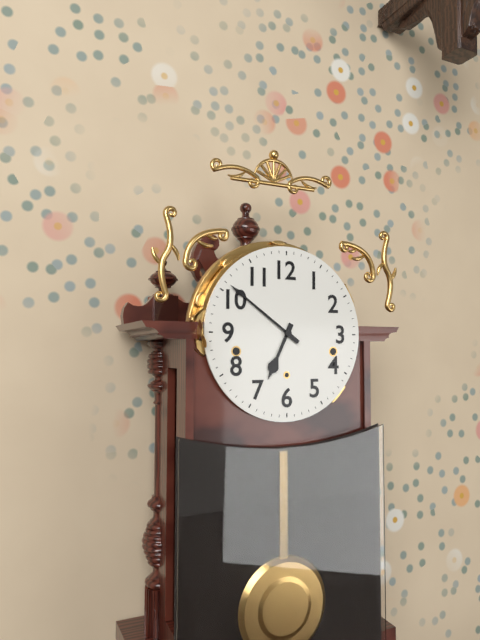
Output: 6.51
